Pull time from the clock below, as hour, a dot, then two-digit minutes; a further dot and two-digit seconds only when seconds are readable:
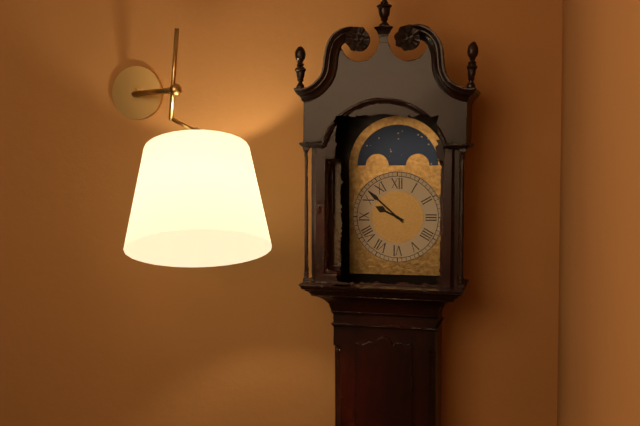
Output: 9.52
